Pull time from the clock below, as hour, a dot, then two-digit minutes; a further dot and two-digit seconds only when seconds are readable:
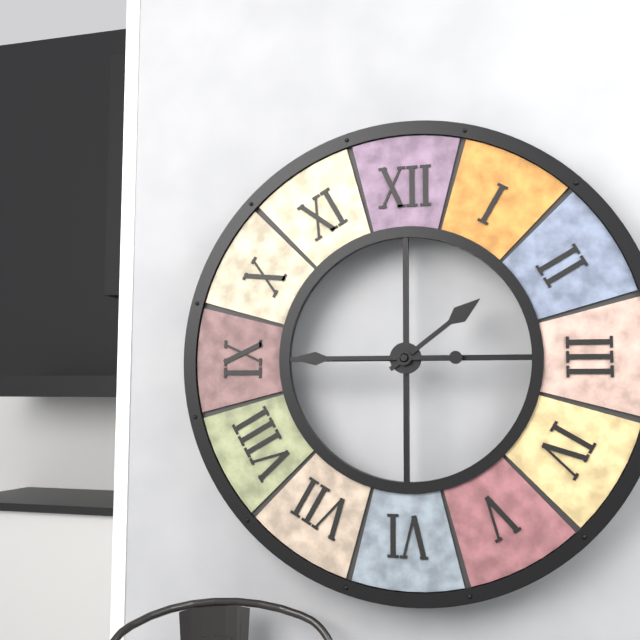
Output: 1.45
